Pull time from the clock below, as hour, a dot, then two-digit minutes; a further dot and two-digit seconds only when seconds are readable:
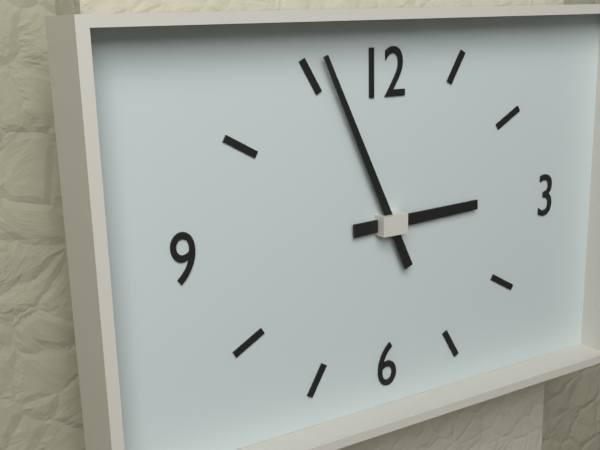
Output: 2.56
